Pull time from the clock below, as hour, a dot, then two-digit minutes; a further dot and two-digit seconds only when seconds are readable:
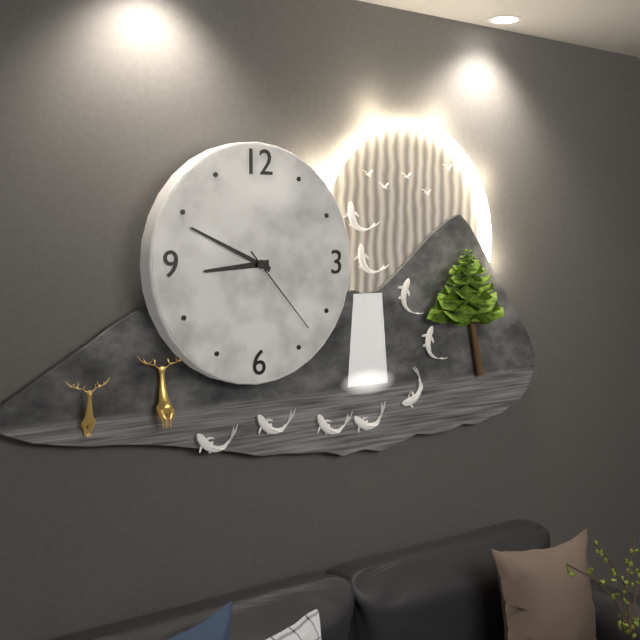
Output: 8.49.23
